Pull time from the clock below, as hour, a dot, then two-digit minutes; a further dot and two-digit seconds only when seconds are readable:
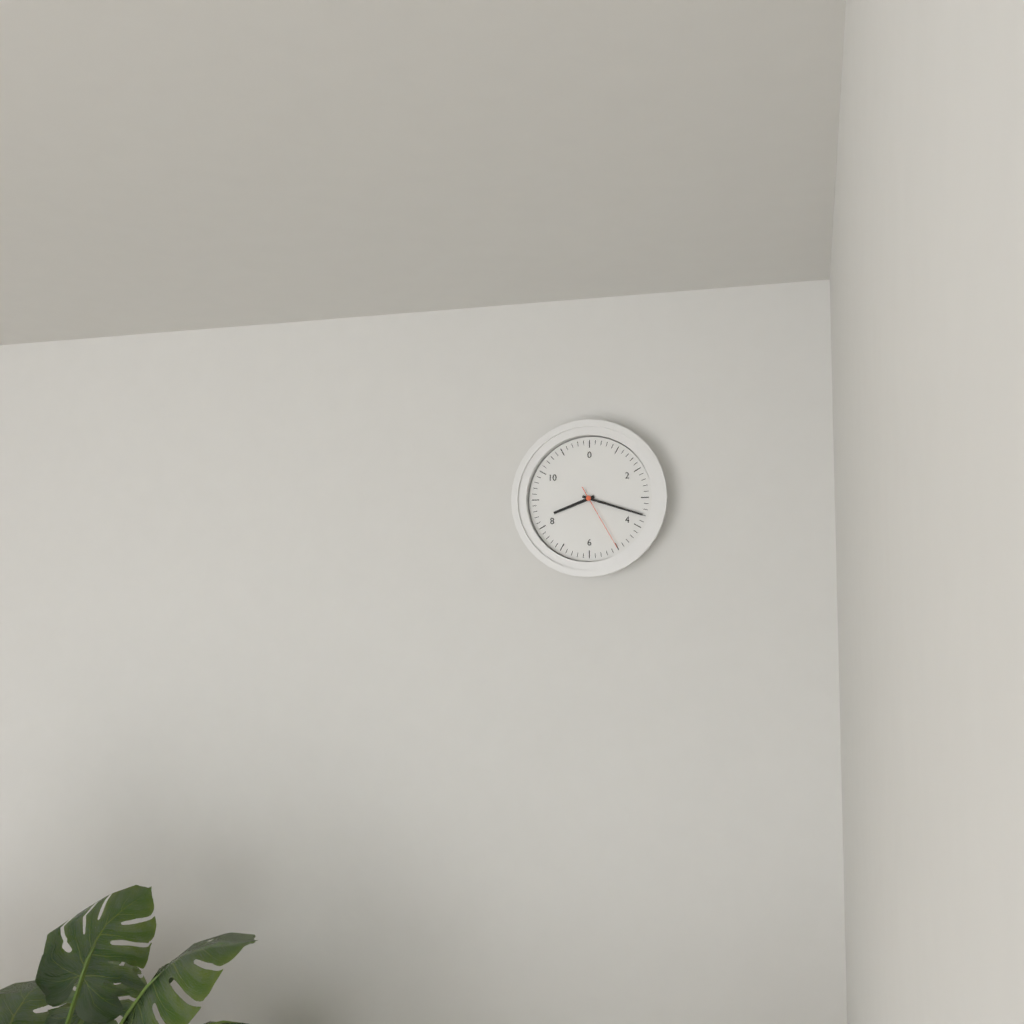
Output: 8.18.25
